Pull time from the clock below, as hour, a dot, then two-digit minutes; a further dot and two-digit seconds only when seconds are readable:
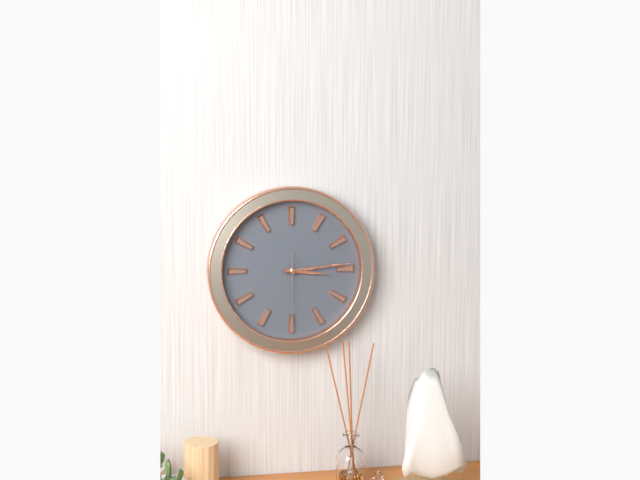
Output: 3.14.30
